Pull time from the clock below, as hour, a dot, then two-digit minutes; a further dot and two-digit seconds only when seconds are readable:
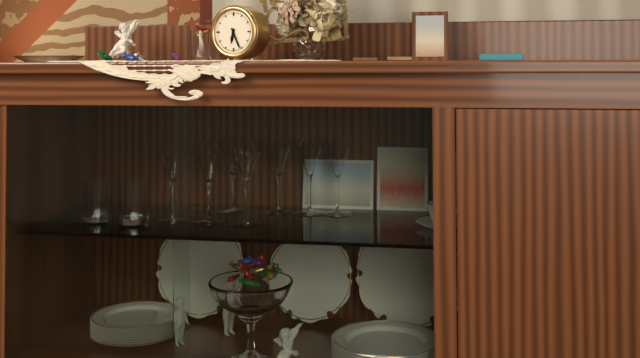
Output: 6.26
